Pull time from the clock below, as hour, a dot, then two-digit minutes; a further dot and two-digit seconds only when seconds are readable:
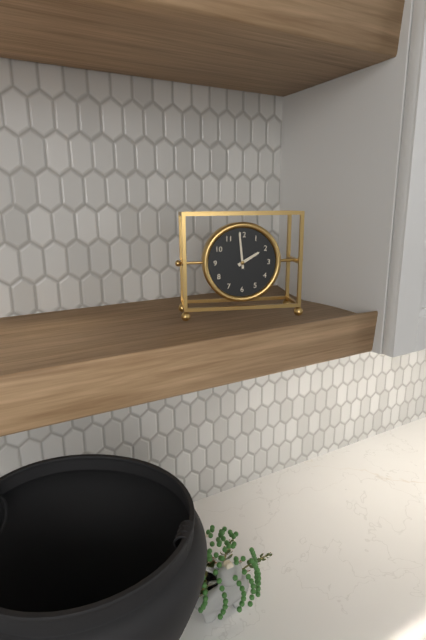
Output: 1.59
